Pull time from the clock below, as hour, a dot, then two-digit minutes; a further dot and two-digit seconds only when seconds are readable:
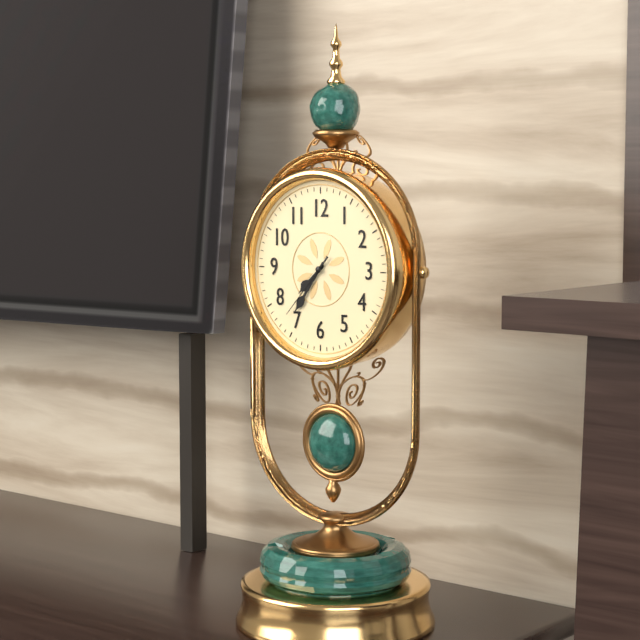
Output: 7.36.37
